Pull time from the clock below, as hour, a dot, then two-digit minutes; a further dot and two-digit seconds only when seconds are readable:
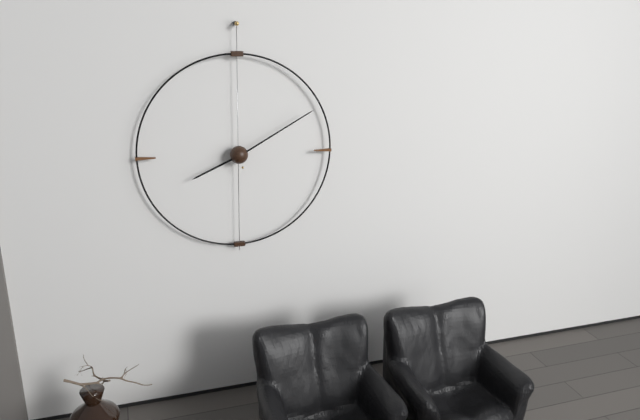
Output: 8.10
